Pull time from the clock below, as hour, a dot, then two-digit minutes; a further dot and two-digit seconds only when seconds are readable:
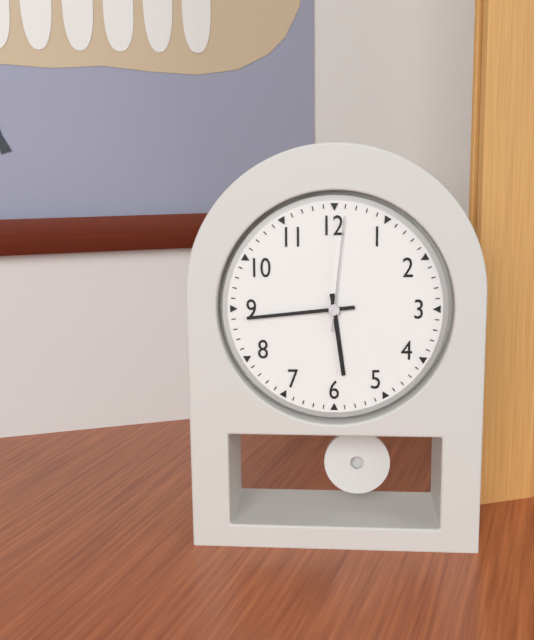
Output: 5.44.01
